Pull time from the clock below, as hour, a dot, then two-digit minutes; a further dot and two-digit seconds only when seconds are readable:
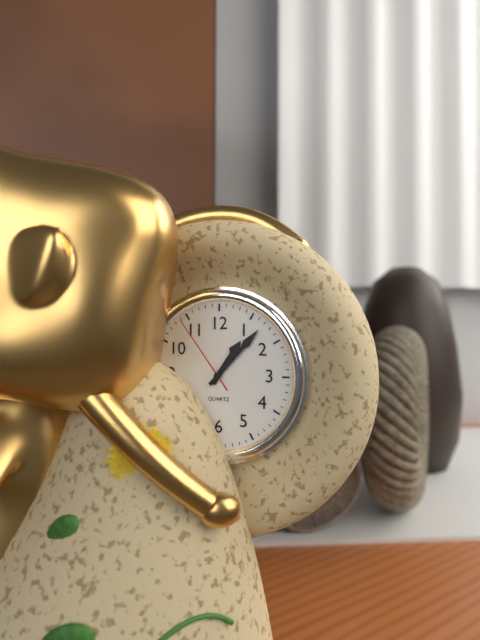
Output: 1.07.54
